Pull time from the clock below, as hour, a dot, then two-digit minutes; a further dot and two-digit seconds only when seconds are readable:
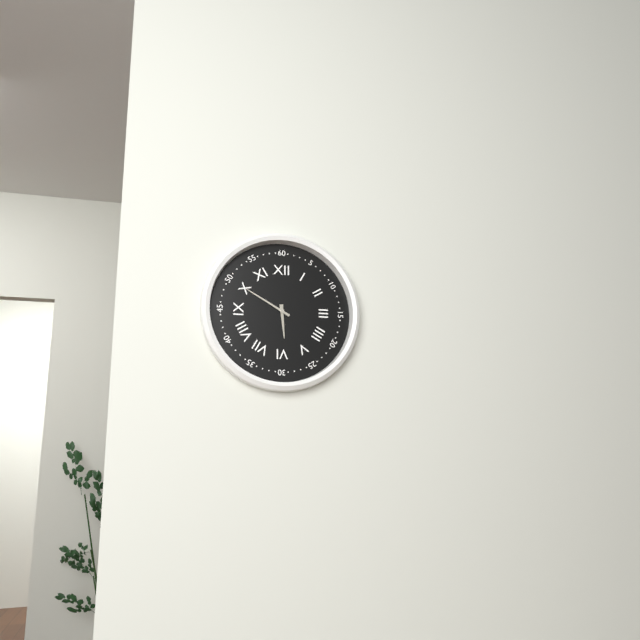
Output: 5.50
